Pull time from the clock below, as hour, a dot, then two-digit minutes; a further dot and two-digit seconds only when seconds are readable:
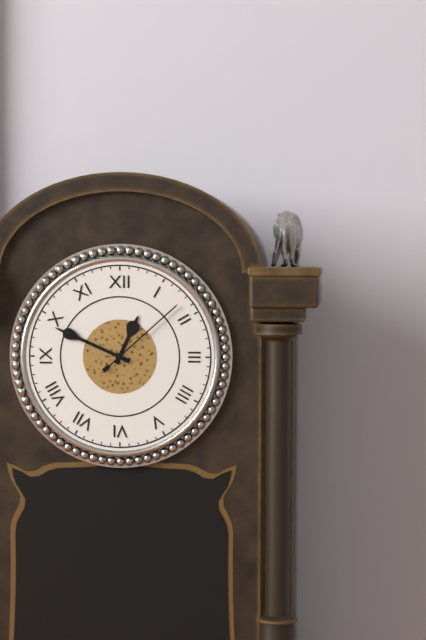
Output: 12.49.08
